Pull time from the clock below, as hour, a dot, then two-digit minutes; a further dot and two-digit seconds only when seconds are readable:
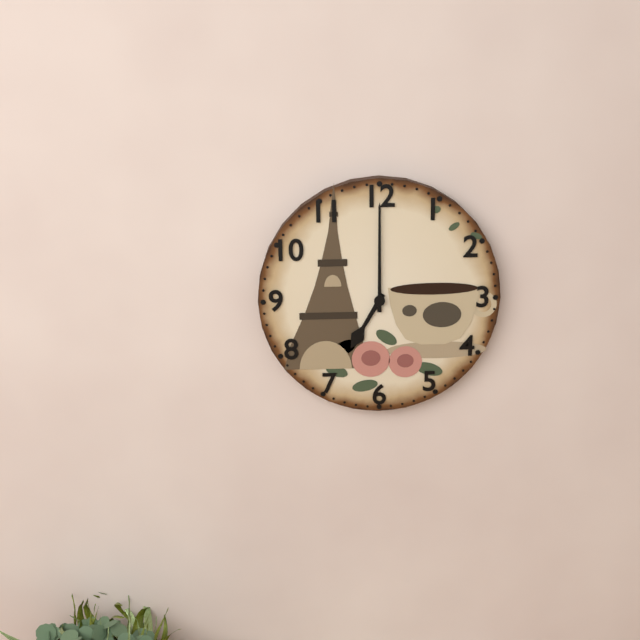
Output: 7.00
